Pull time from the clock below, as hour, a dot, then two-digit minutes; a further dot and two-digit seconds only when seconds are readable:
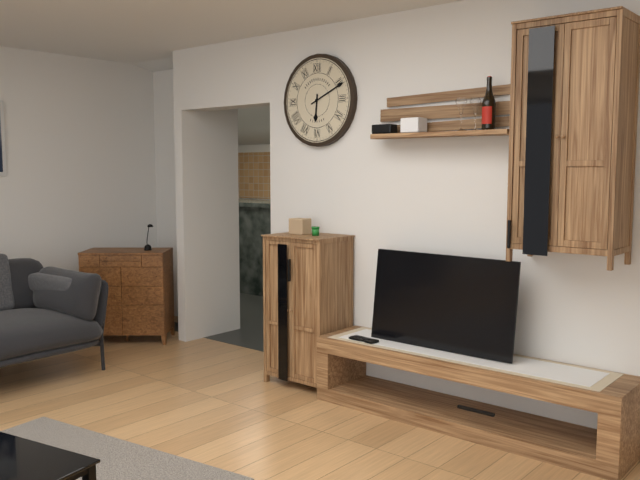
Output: 6.11
